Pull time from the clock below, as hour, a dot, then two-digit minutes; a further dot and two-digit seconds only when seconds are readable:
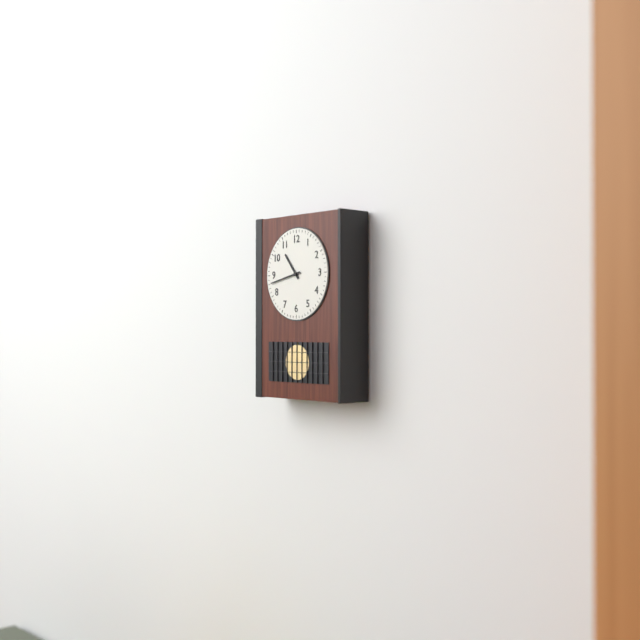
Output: 10.43
